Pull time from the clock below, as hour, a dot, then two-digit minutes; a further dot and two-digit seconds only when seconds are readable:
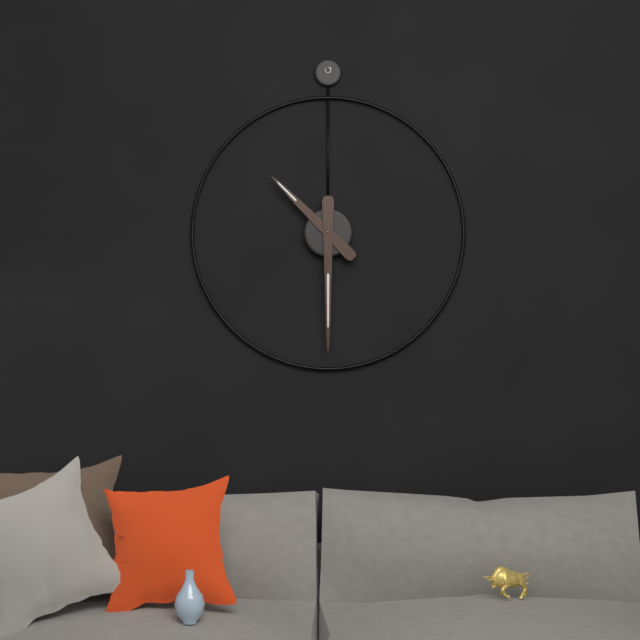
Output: 10.30
